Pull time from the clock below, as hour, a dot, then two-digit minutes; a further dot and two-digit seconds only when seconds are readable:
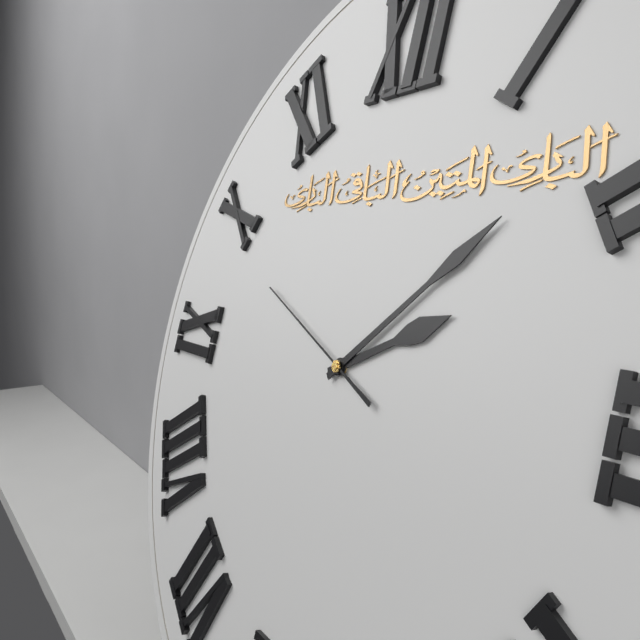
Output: 2.08.49
